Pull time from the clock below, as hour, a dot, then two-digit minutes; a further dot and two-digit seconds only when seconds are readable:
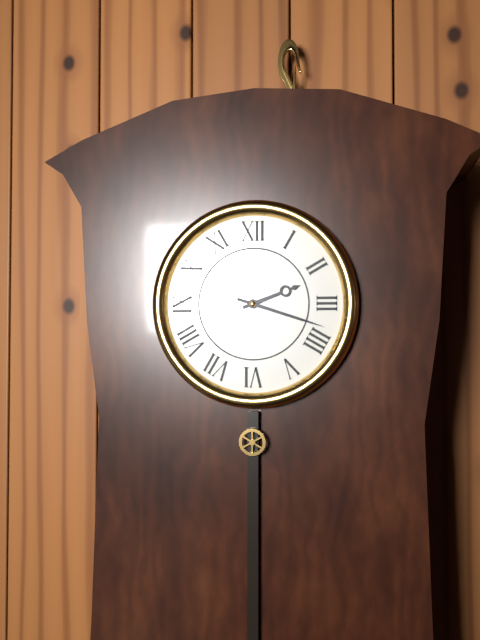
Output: 2.18
